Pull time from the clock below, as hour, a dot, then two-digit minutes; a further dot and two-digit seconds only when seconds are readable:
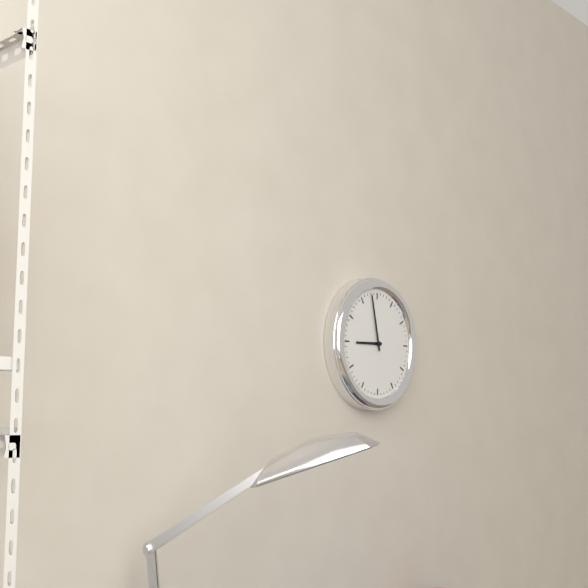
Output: 8.58
